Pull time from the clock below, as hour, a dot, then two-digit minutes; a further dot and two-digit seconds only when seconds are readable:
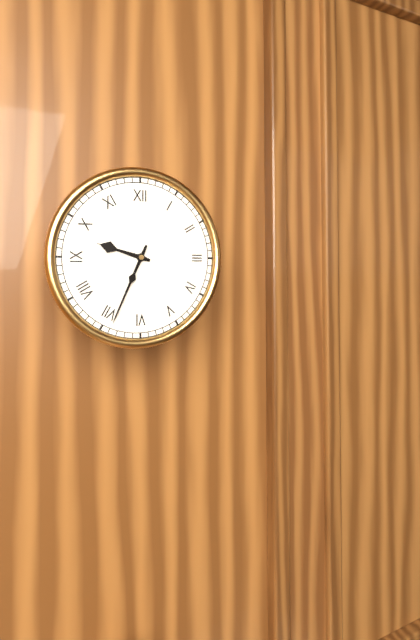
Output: 9.34
